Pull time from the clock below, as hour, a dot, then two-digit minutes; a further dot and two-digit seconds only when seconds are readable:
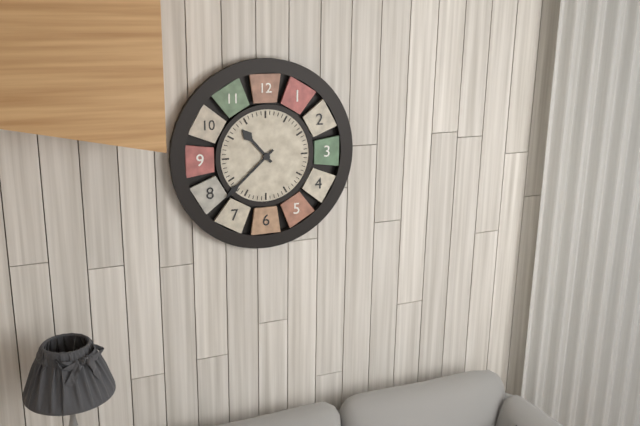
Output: 10.38
